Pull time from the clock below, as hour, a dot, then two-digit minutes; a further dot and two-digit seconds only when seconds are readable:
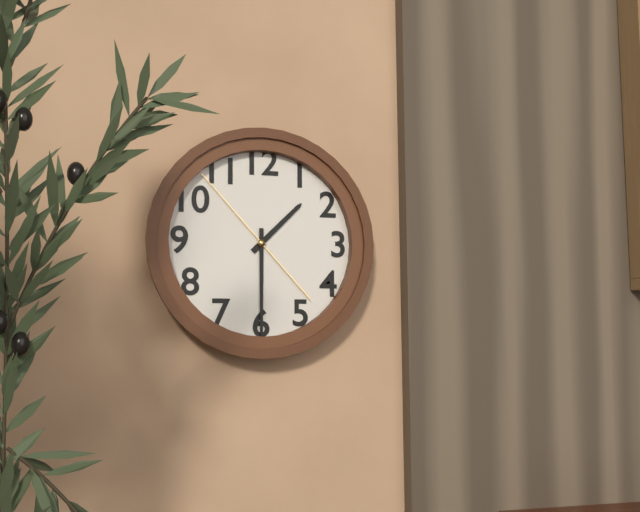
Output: 1.30.53
